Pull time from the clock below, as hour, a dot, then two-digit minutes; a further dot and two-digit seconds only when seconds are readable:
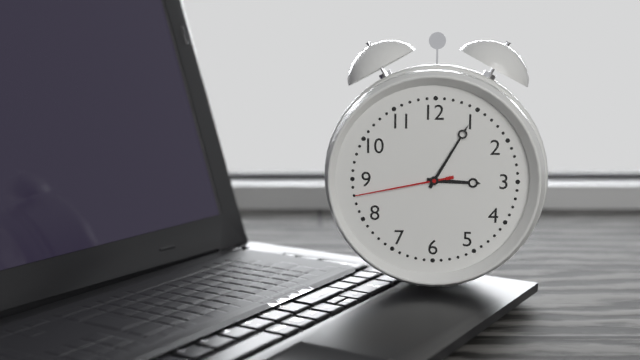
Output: 3.05.43
